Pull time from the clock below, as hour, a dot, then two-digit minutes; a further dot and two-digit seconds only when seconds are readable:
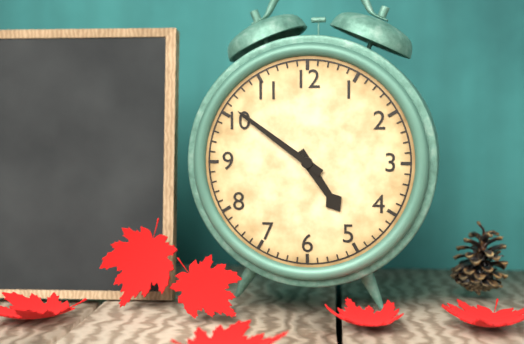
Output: 4.51
